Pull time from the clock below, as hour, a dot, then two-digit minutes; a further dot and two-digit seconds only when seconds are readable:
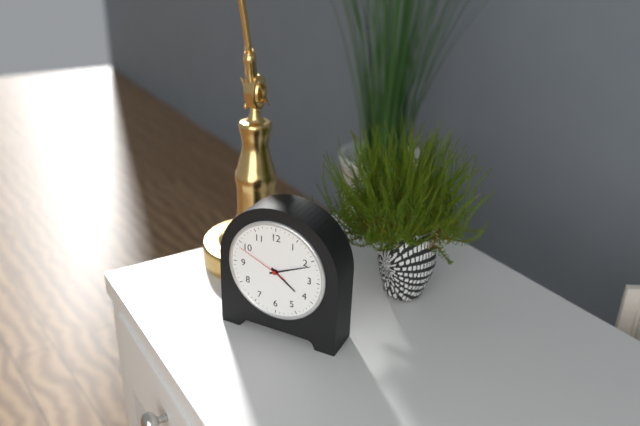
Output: 4.11.49
